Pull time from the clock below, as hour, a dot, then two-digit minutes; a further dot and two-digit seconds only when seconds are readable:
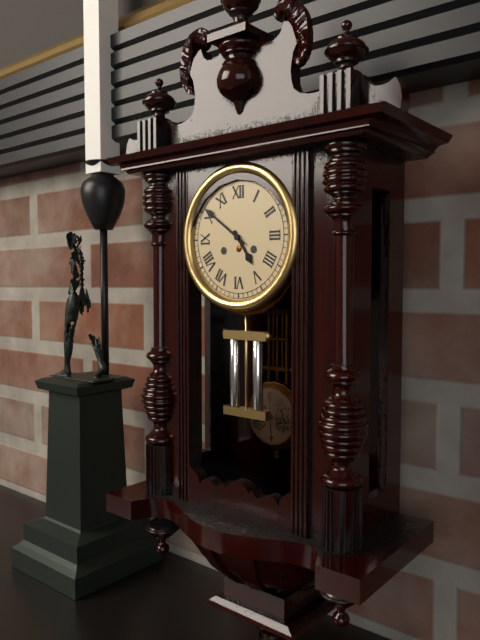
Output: 4.51
